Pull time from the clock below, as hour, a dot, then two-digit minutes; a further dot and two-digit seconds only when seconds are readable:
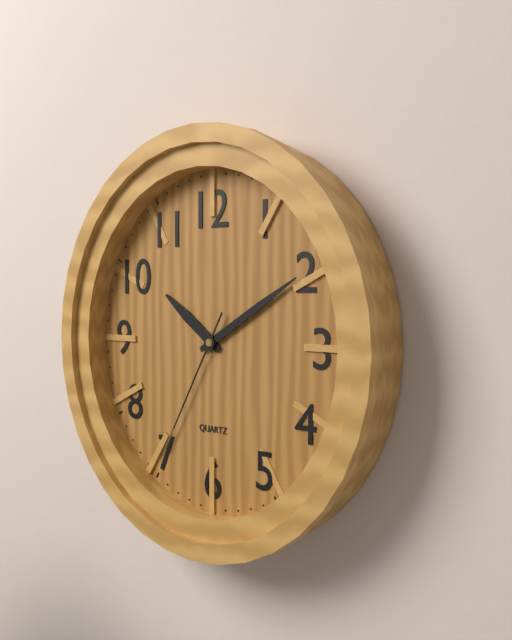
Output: 10.10.35
